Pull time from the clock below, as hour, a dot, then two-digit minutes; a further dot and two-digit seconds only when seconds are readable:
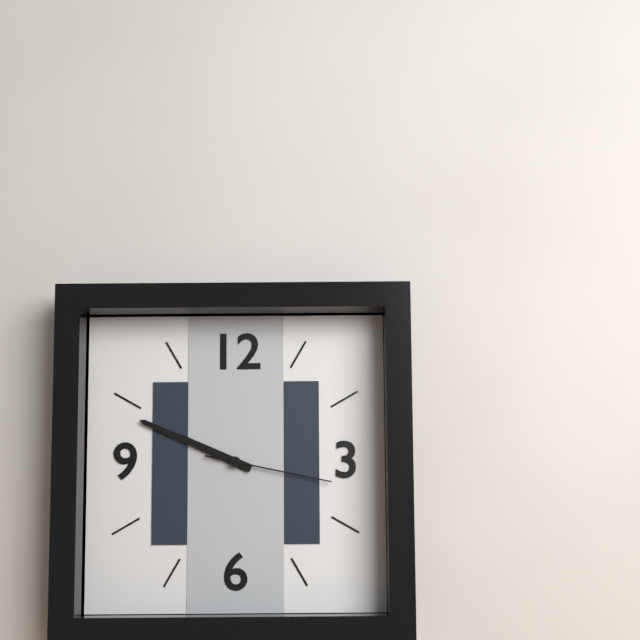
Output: 9.49.17
